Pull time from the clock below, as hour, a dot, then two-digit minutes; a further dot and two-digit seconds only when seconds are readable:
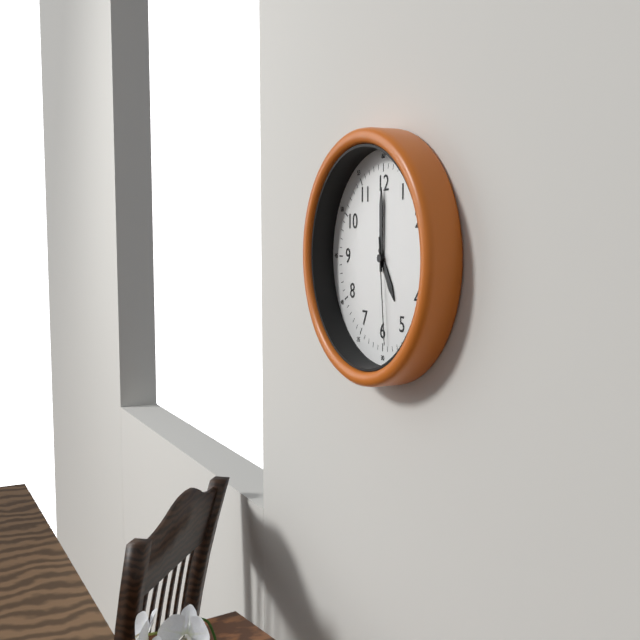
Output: 5.00.29
